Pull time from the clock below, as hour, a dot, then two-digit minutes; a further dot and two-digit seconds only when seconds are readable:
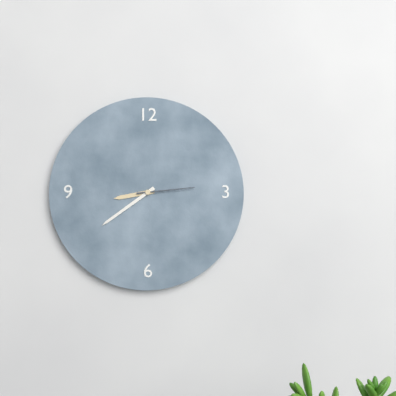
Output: 8.39.14
